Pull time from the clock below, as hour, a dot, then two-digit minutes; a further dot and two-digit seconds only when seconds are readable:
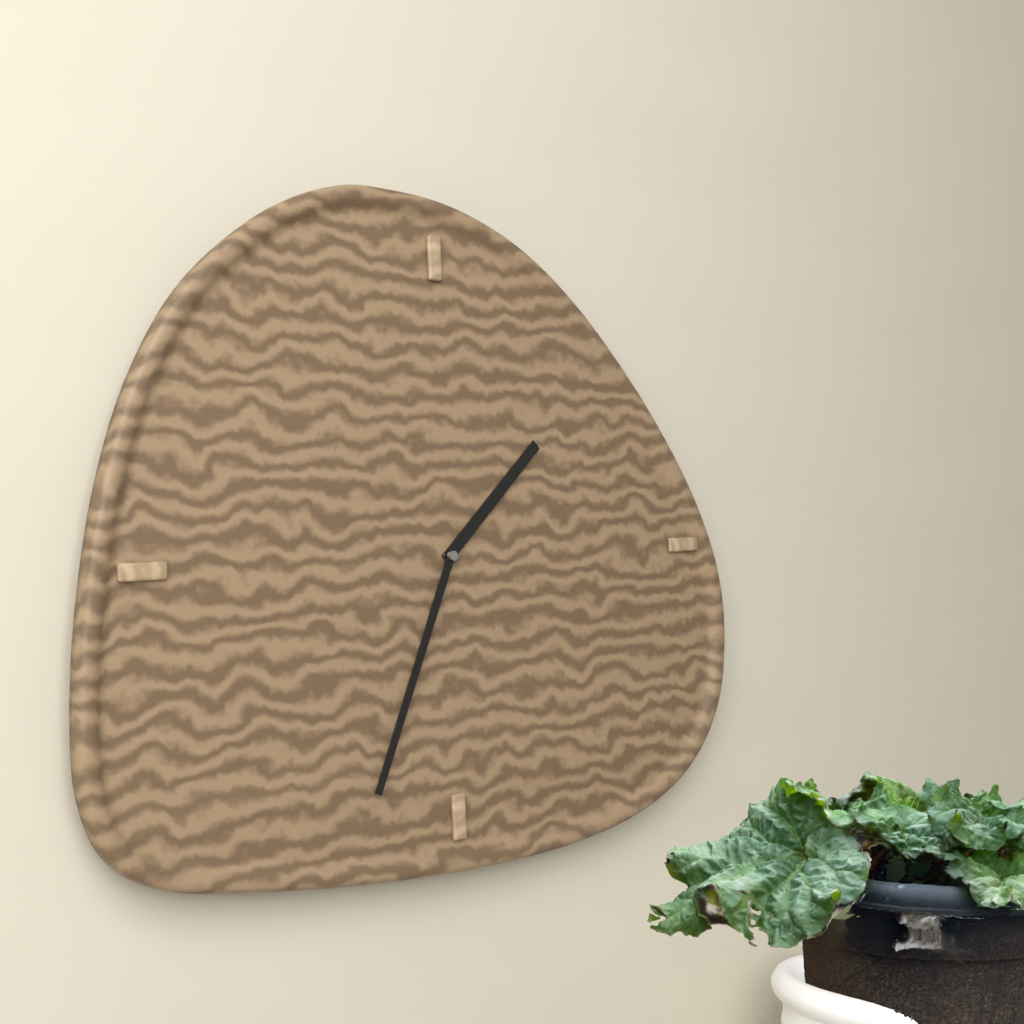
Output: 1.34
